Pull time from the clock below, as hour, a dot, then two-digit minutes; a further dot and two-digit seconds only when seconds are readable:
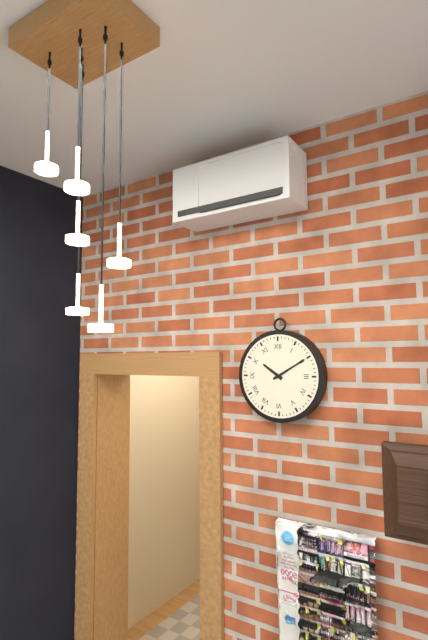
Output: 10.10
